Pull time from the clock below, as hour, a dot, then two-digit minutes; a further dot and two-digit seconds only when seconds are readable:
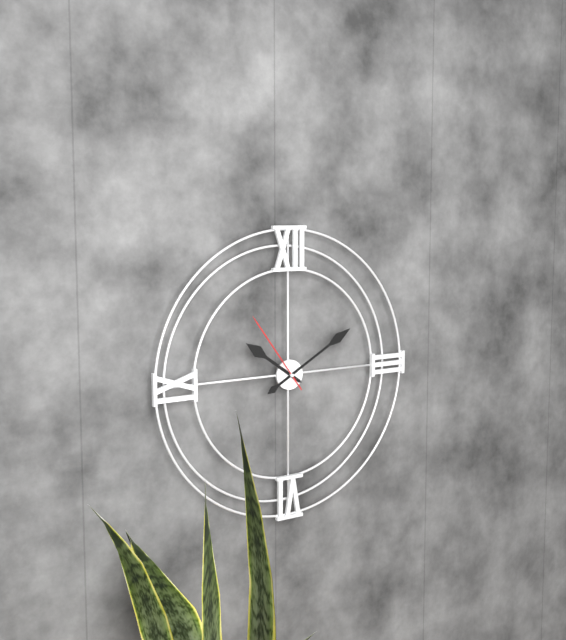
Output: 10.10.54
